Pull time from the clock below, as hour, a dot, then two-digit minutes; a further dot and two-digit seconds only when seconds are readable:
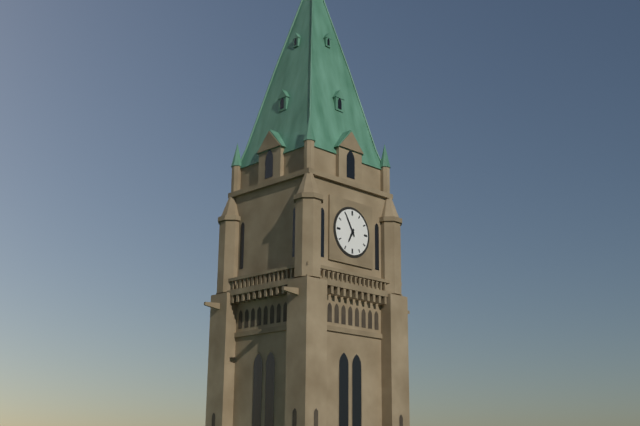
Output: 6.55
